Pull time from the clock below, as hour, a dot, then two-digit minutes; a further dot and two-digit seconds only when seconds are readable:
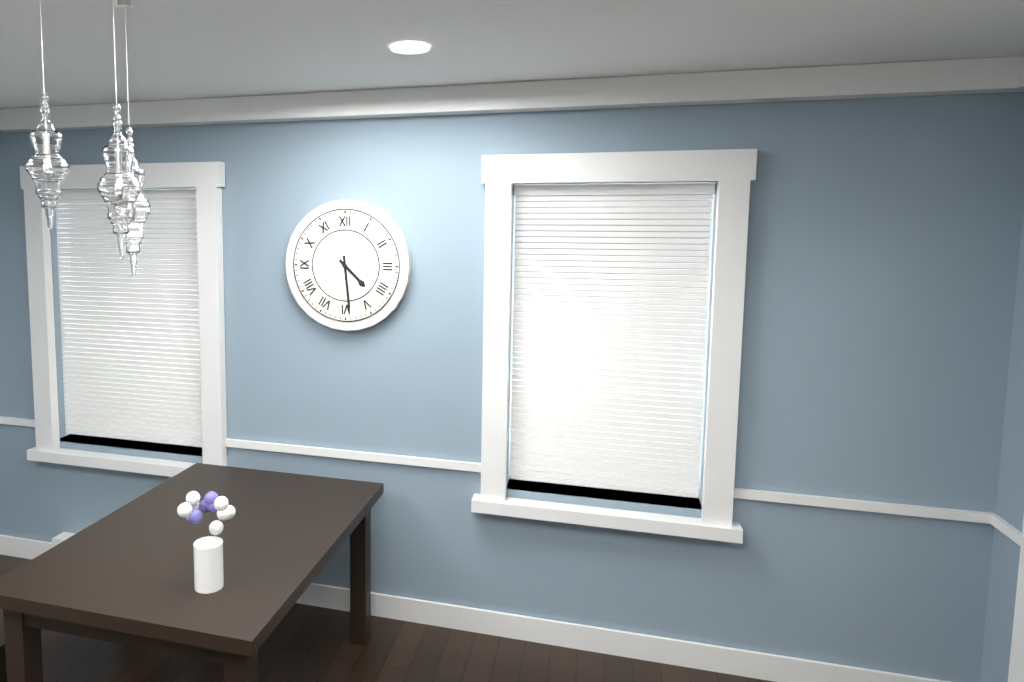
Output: 4.29
